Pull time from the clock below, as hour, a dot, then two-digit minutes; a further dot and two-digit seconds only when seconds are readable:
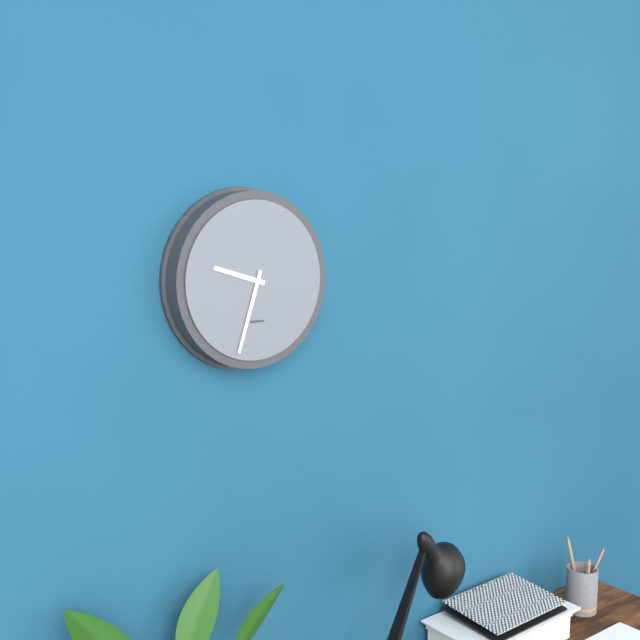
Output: 9.33
